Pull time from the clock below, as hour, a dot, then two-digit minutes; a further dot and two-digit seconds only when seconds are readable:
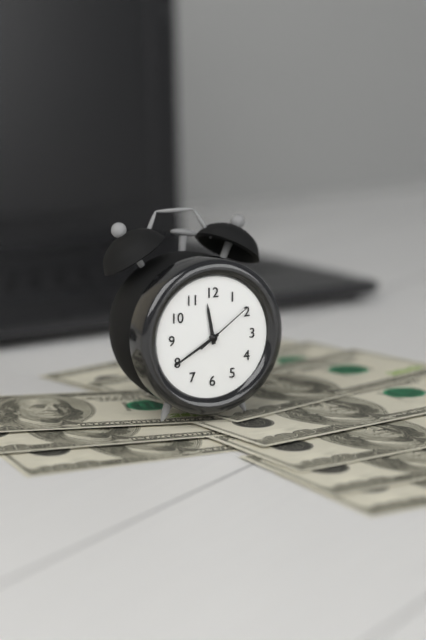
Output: 11.40.09
